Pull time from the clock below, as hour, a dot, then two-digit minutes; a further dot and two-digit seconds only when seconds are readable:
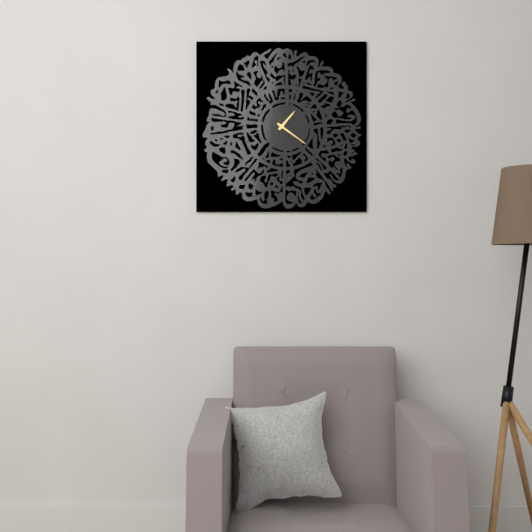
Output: 1.21
